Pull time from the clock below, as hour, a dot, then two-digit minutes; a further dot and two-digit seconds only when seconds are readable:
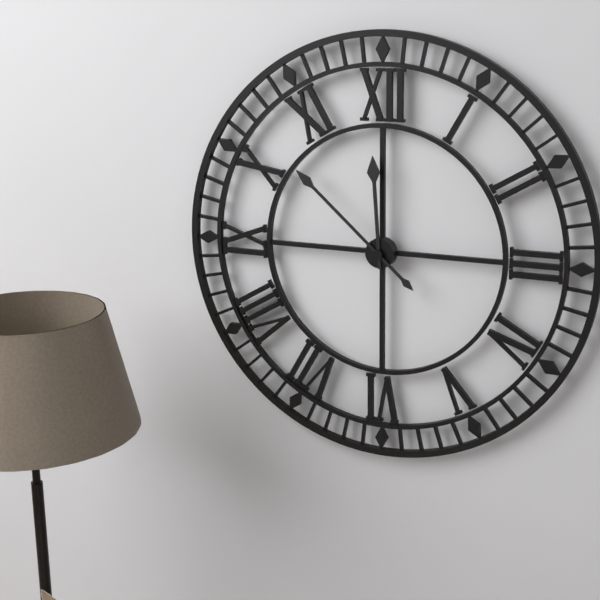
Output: 11.52
